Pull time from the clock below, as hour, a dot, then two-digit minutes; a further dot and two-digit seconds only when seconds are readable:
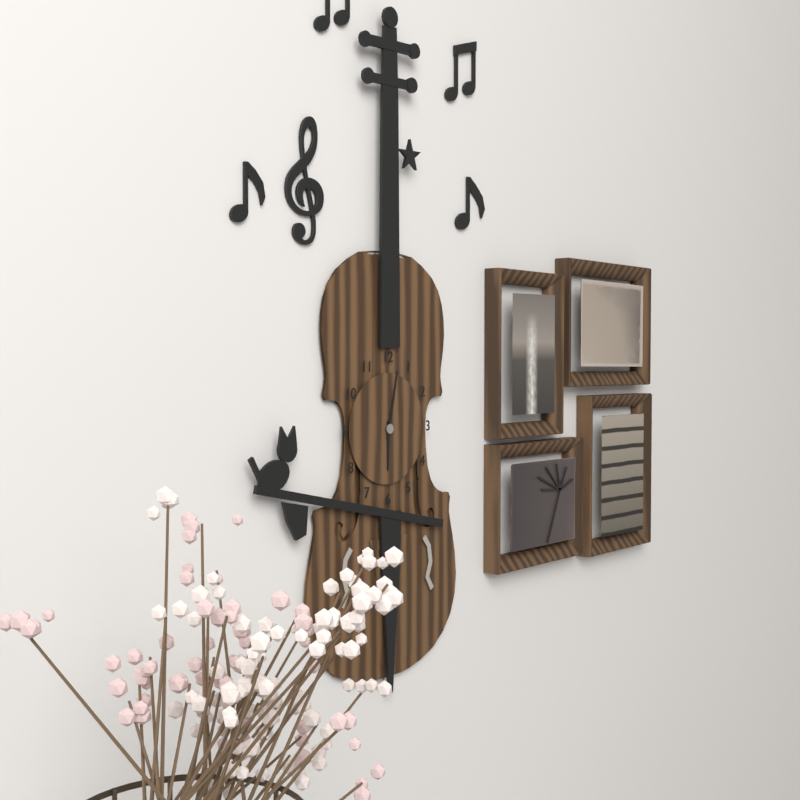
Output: 6.02
